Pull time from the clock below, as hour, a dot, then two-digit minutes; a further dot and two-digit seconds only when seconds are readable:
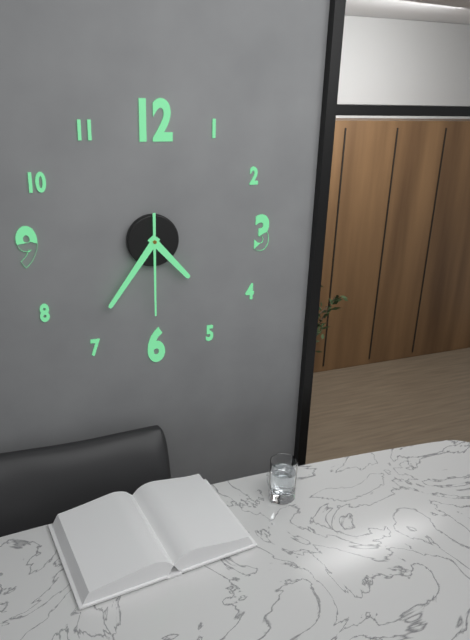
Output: 4.36.30
